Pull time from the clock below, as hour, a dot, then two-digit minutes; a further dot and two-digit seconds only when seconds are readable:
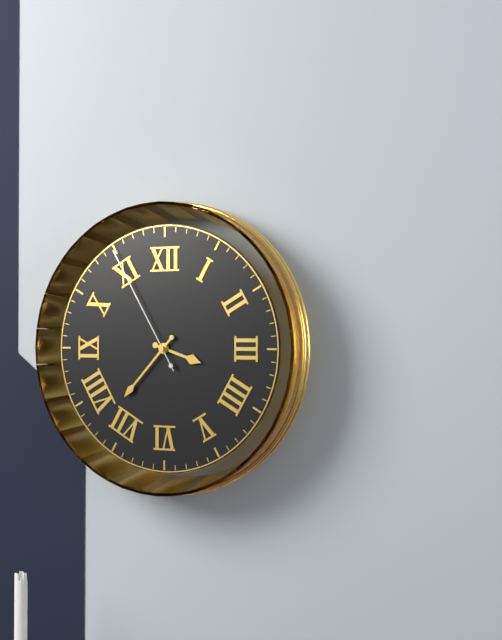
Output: 3.37.55
